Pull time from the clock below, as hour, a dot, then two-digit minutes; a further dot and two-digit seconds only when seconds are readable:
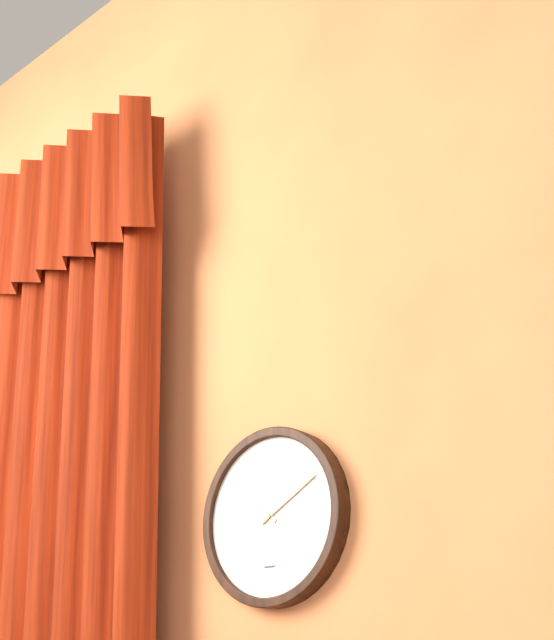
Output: 10.10
